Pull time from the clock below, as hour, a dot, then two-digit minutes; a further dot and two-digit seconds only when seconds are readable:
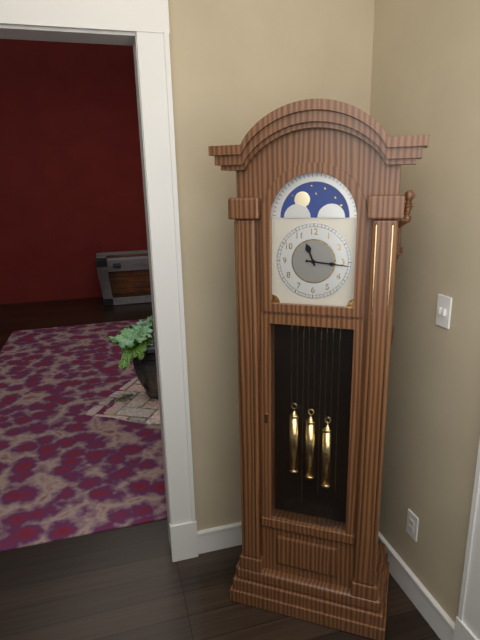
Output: 11.16
